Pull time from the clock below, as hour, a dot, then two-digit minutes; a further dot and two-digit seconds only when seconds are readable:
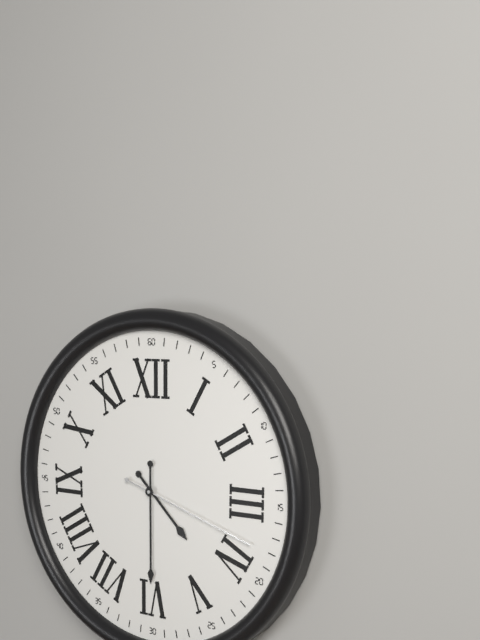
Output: 4.30.18
